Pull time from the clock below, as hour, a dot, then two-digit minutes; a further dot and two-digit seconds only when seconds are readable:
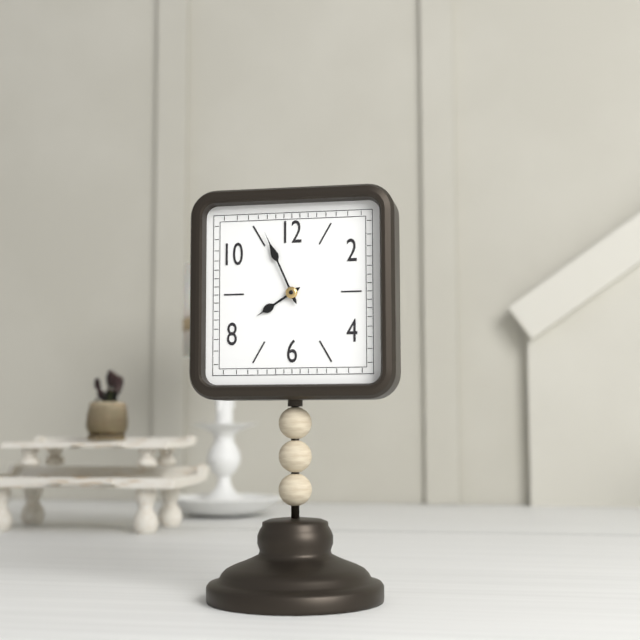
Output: 7.56
